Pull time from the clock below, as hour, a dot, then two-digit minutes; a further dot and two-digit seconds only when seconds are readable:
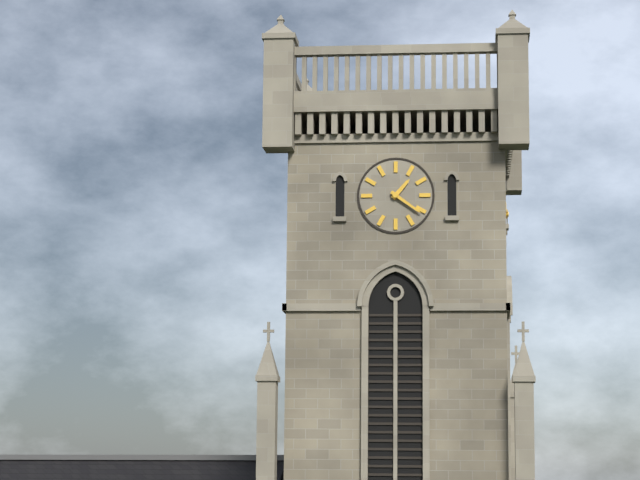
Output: 1.21
